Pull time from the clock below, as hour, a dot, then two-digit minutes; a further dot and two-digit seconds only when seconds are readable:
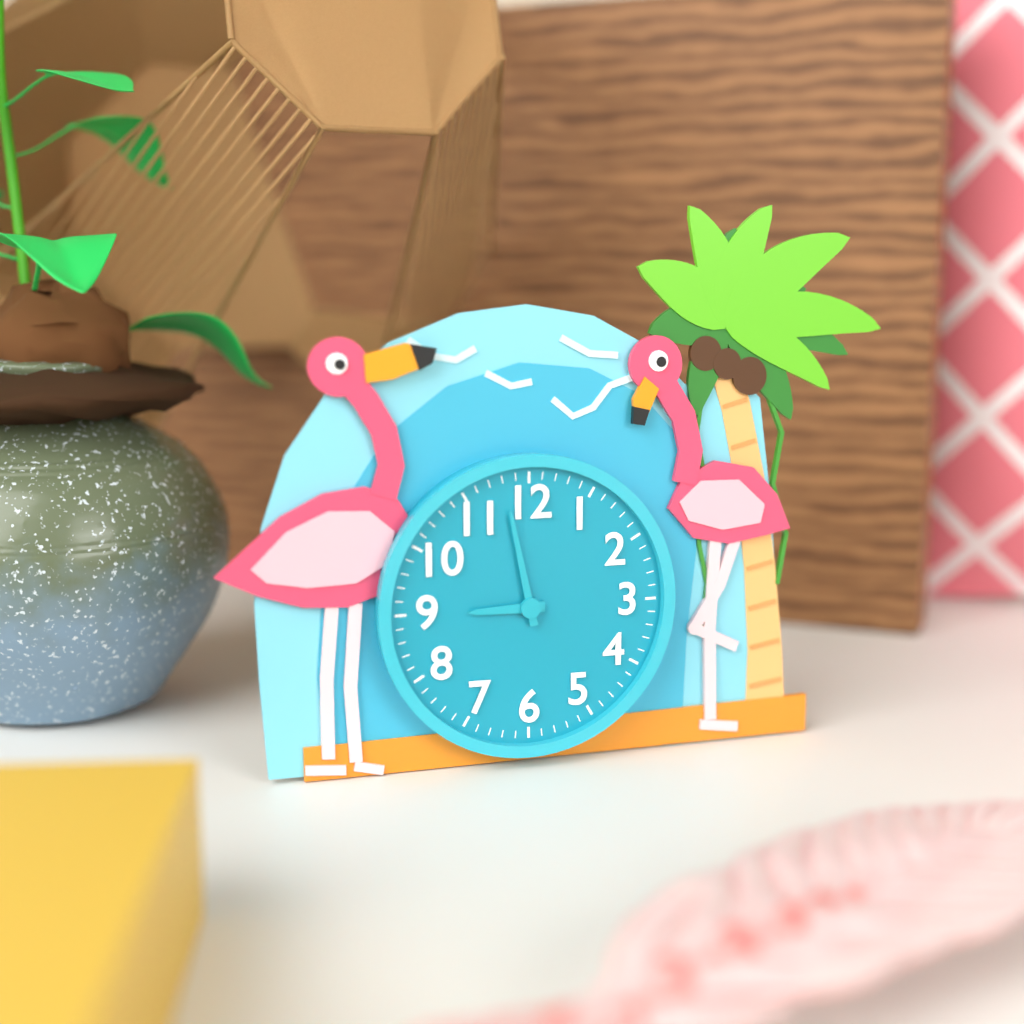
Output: 8.58
